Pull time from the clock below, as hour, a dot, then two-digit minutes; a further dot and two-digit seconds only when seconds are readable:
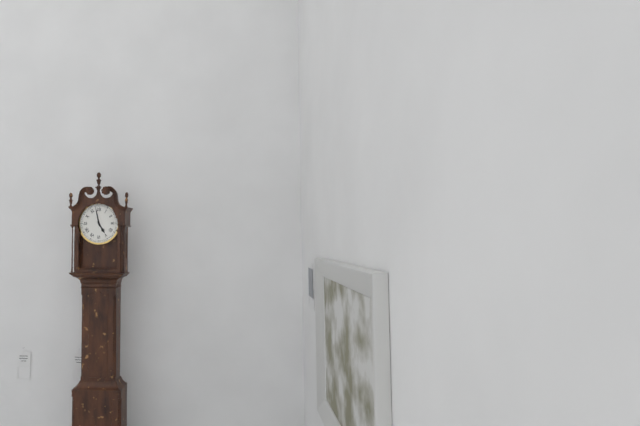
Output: 4.58
